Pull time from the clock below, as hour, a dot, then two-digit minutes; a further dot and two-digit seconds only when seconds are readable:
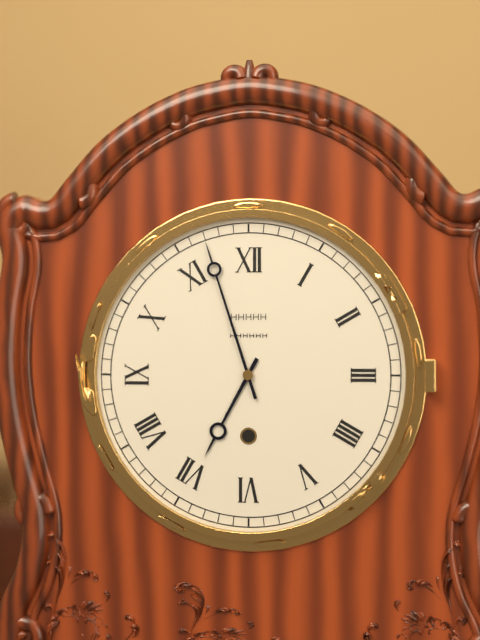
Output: 6.57
